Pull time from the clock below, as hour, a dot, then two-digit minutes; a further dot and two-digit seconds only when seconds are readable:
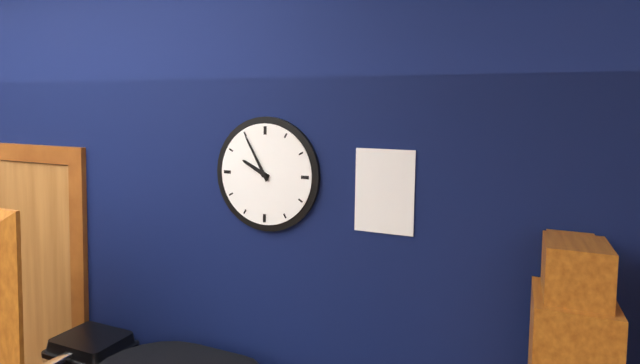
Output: 9.55
